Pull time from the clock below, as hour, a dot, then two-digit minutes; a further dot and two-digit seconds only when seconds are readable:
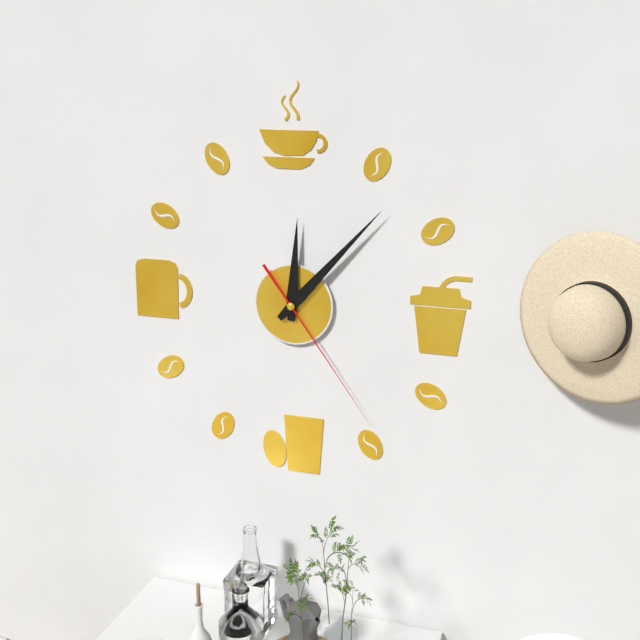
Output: 12.07.24
